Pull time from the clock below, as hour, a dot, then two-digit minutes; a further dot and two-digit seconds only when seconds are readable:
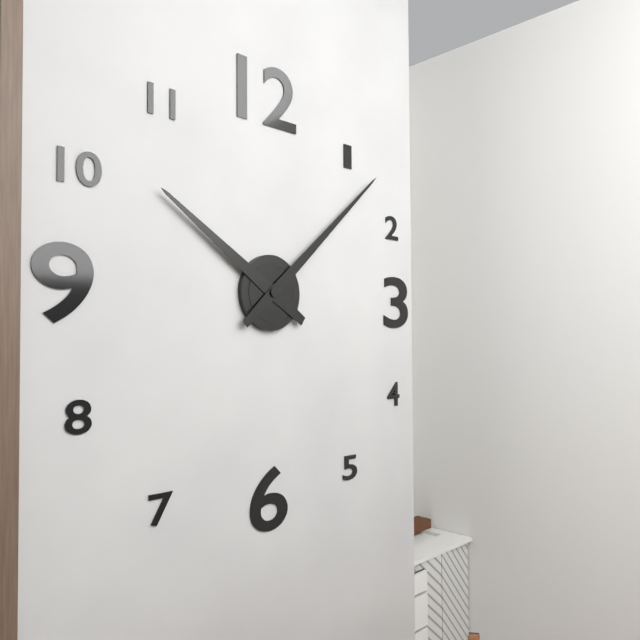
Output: 10.08
